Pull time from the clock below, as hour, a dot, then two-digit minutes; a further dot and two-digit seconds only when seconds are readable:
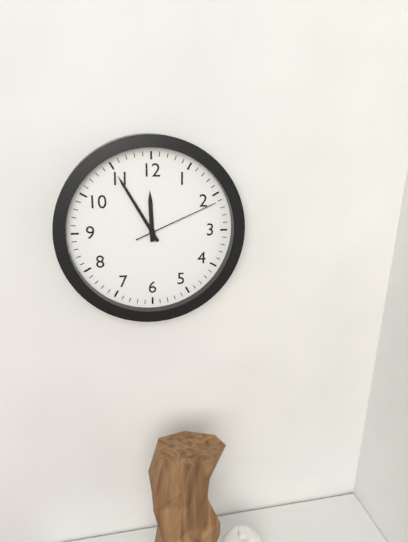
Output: 11.55.11
